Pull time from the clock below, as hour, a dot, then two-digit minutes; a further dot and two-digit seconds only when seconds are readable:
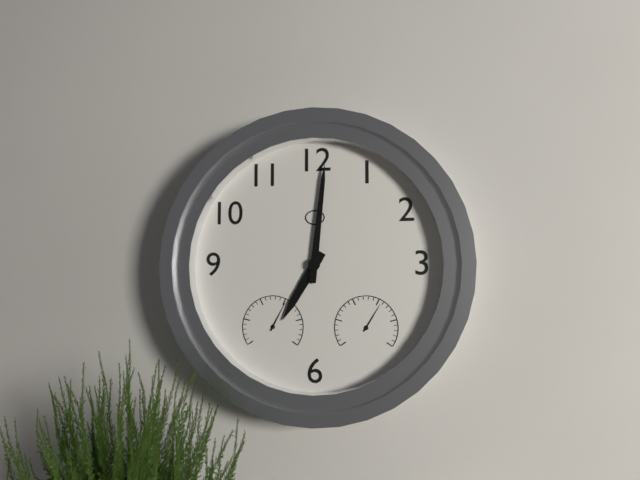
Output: 7.01
